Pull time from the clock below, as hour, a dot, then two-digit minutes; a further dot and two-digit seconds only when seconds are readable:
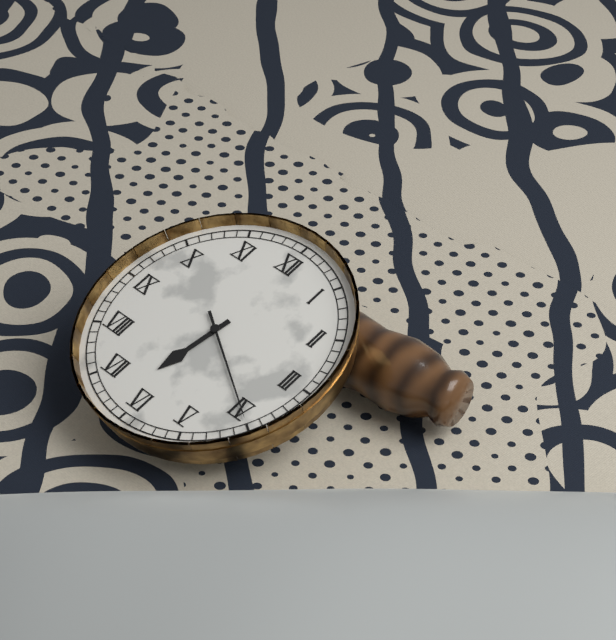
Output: 6.20
